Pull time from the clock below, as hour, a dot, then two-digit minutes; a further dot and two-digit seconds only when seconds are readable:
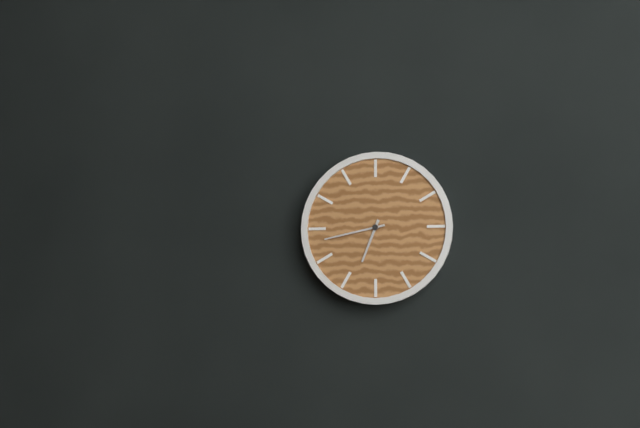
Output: 6.43
